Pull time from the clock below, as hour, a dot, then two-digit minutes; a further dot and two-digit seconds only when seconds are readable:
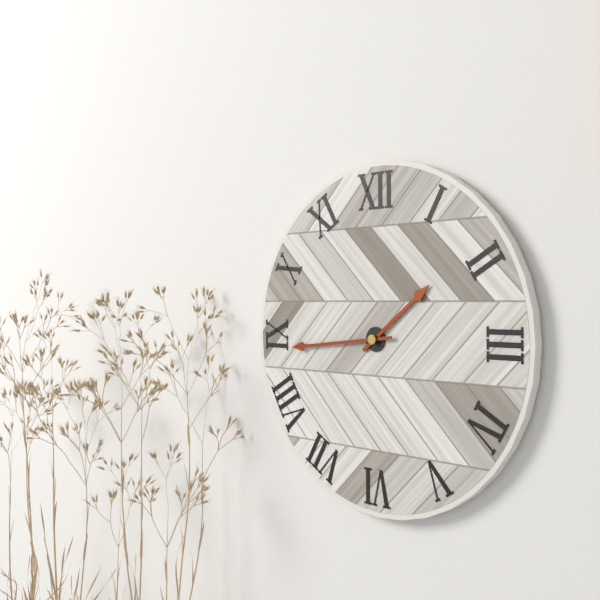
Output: 1.44
